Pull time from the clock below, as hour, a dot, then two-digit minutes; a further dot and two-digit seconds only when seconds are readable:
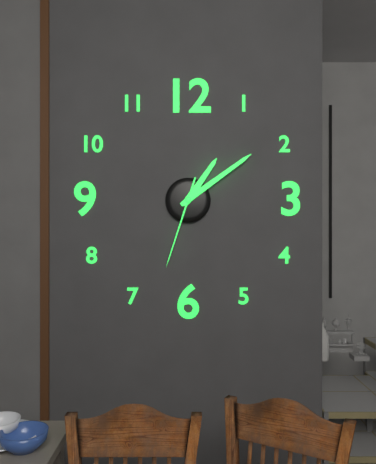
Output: 1.09.33
